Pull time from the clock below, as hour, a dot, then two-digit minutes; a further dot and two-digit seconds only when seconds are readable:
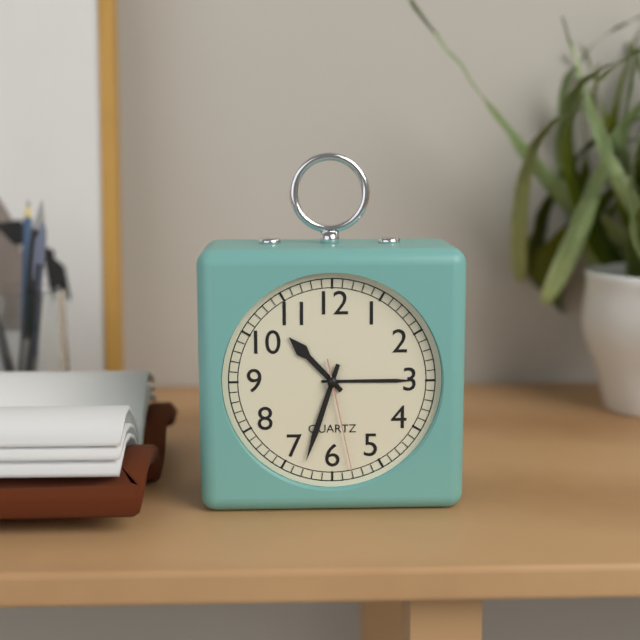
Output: 10.33.28
